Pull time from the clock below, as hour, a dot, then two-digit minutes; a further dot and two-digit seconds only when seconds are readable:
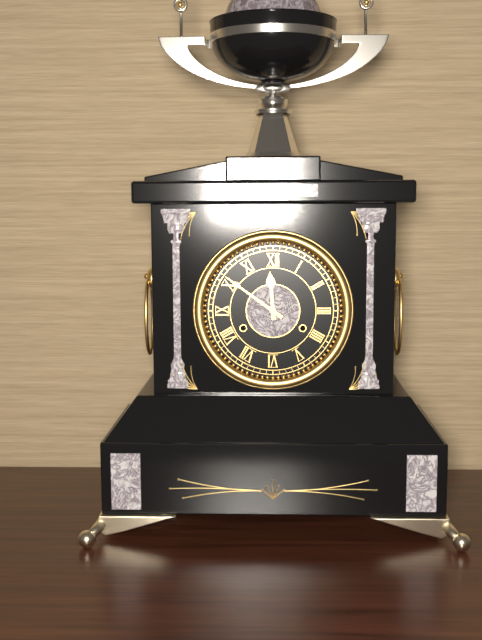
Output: 11.51
